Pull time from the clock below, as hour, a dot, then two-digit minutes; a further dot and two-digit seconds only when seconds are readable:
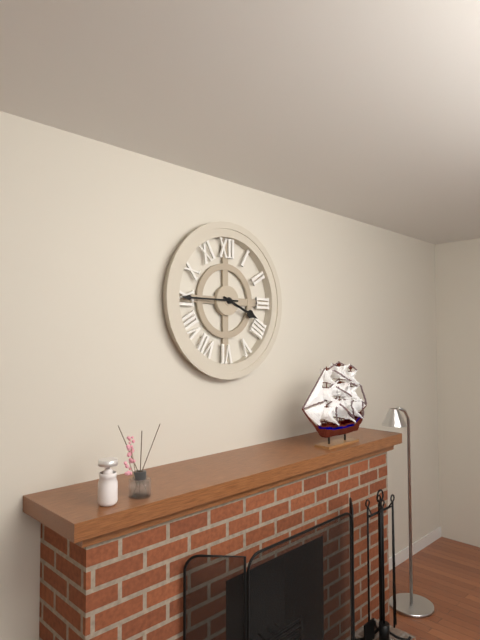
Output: 3.45
